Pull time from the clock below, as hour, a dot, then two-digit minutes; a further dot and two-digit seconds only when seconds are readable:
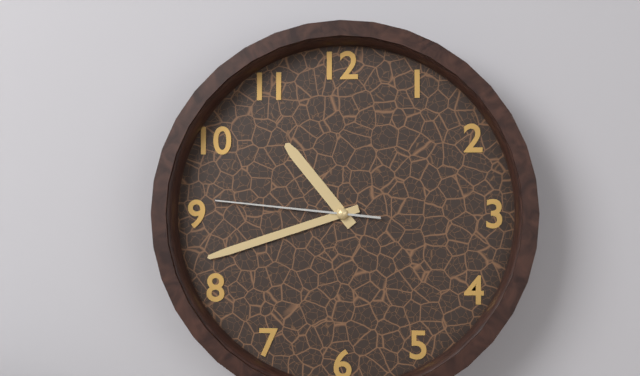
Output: 10.42.46
